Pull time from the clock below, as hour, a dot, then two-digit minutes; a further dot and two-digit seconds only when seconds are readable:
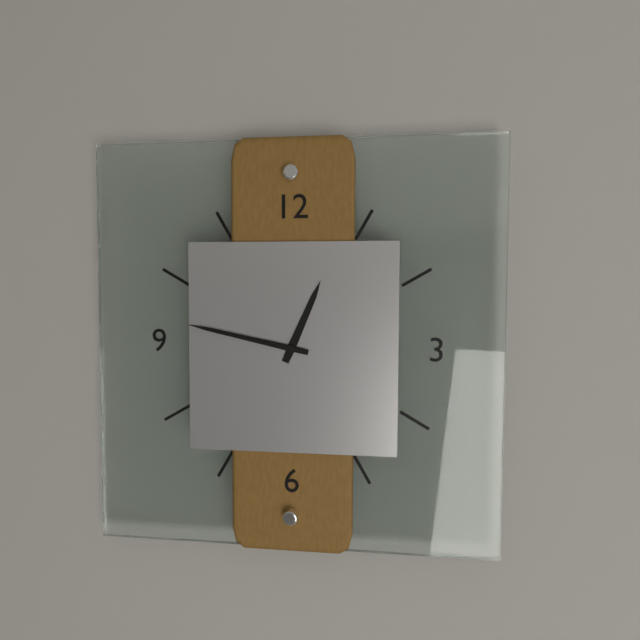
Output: 12.47
